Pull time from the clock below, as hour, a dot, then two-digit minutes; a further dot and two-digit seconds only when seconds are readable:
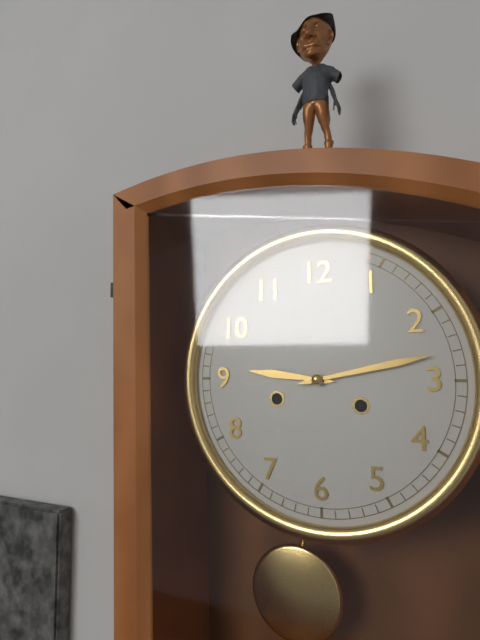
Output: 9.13
